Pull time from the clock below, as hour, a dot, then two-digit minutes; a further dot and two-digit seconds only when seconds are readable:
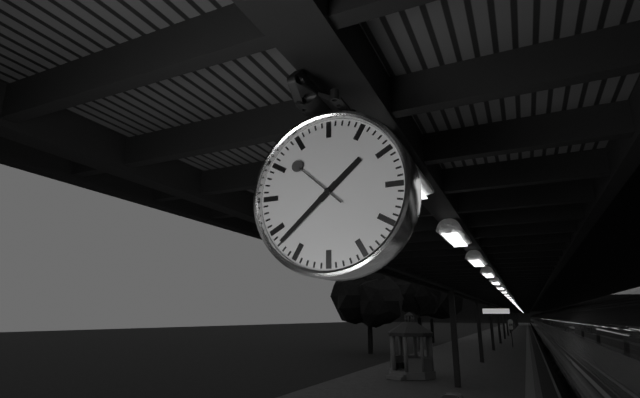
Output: 1.38.52
